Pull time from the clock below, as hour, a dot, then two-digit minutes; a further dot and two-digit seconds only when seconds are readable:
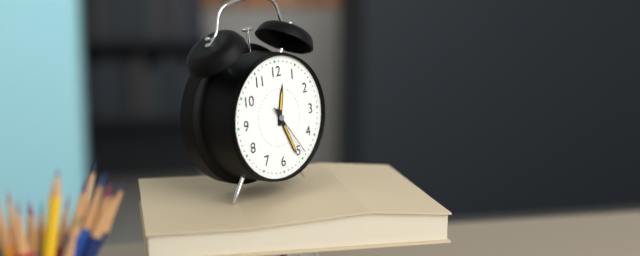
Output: 12.26.24
